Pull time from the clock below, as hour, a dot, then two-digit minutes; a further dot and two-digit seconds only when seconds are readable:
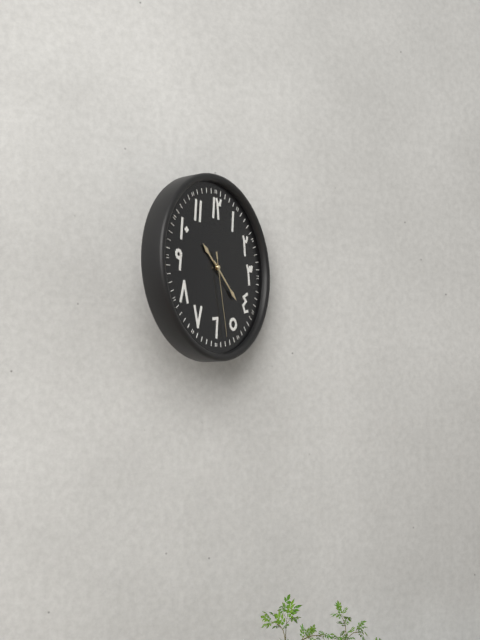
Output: 10.22.28
